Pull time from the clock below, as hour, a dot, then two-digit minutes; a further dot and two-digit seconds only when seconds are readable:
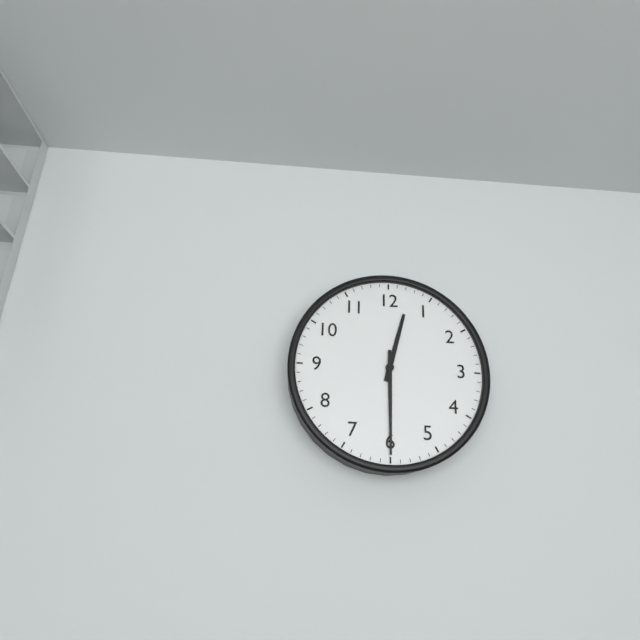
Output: 12.30
